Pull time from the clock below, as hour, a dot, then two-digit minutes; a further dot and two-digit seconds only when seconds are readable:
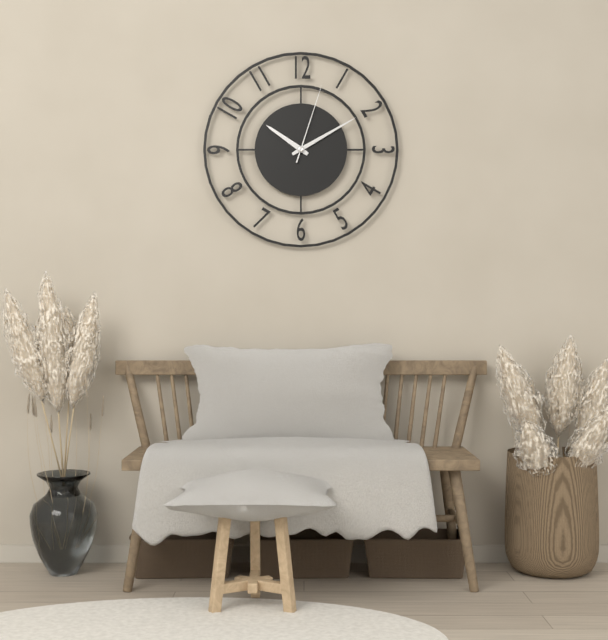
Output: 10.10.03
